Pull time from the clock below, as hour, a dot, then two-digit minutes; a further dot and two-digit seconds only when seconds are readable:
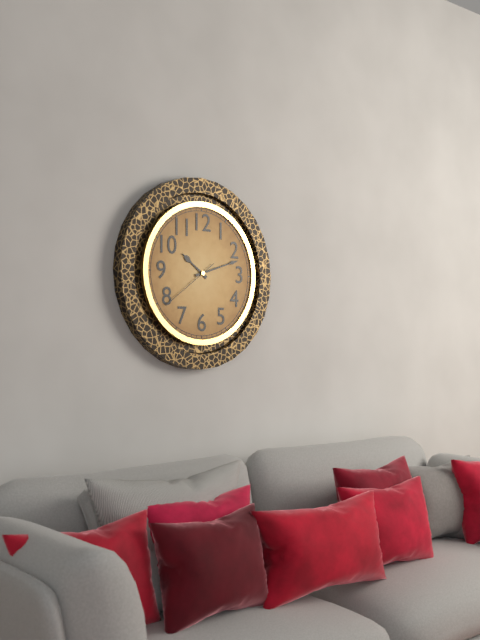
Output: 10.12.39
